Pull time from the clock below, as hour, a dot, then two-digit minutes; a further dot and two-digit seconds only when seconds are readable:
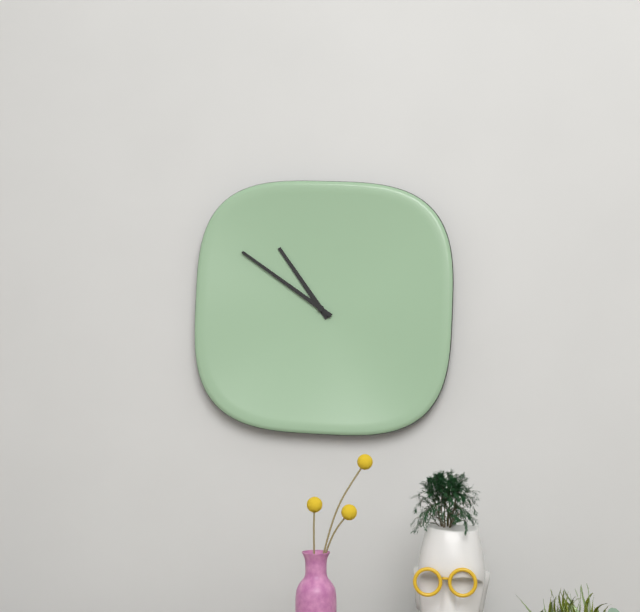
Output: 10.51
